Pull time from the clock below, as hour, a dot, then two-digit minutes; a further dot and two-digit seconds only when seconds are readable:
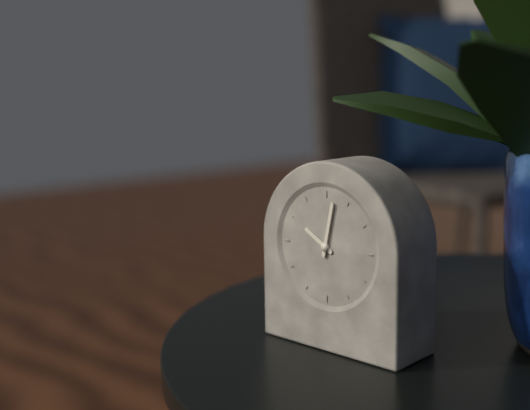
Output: 10.02
